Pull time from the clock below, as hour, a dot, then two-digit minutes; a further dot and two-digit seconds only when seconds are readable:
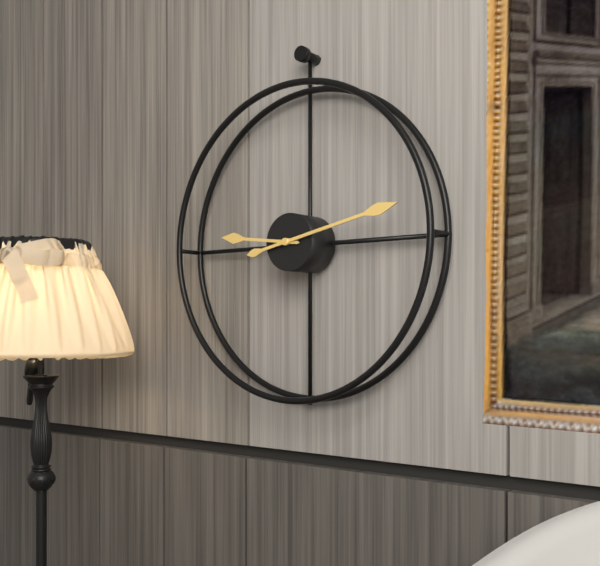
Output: 9.13
